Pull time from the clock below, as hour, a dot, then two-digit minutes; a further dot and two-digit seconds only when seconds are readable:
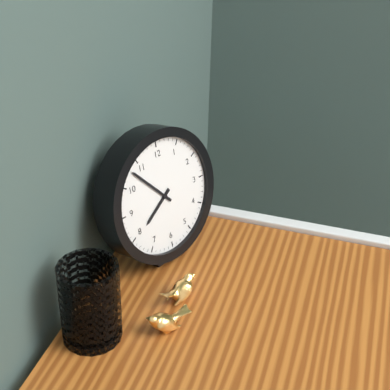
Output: 7.53
